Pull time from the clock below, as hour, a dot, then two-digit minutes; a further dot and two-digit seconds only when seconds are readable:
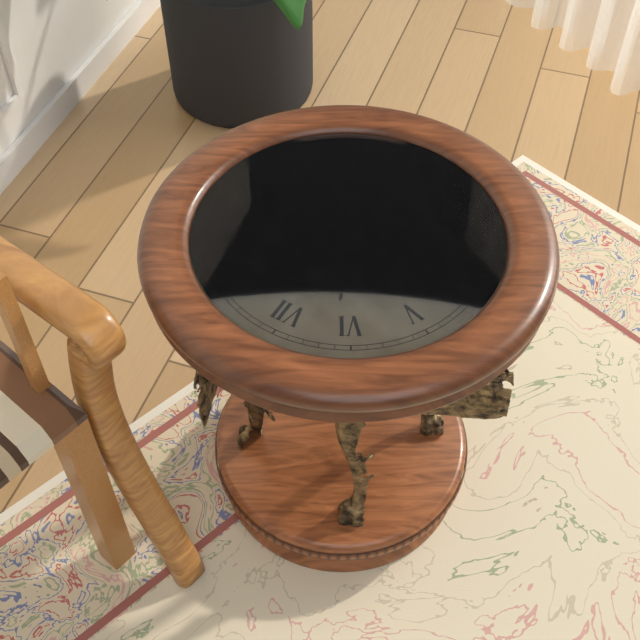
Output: 8.31
